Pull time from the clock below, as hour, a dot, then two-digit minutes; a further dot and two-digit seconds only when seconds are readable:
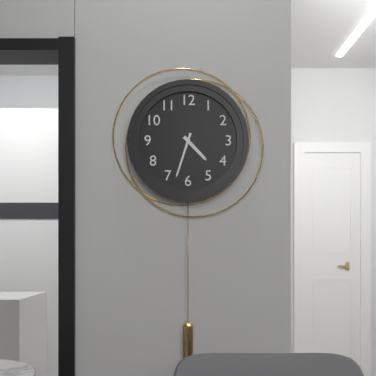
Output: 4.33
